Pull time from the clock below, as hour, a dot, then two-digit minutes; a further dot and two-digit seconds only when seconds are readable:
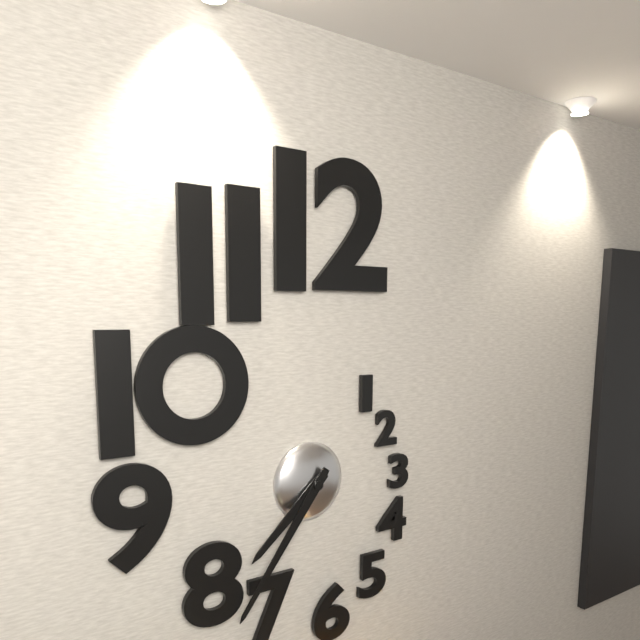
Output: 7.36
